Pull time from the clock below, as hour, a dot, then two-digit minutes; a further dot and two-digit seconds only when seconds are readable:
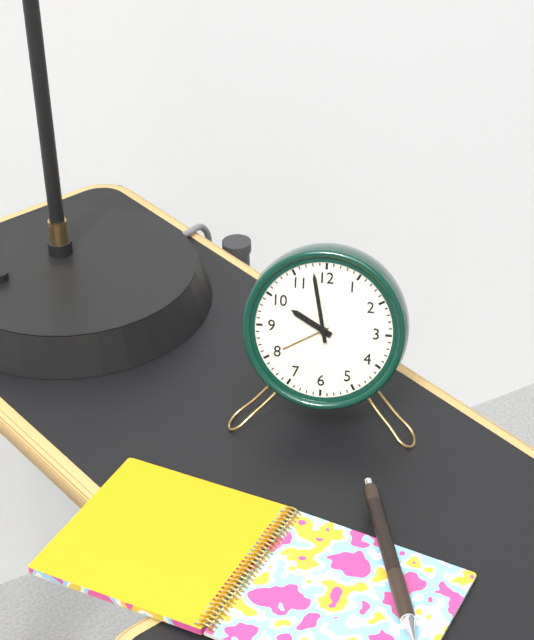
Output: 9.58
